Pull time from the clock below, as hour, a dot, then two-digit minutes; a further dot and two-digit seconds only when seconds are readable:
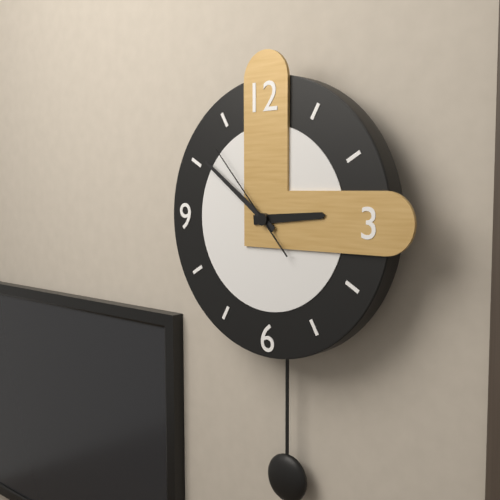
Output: 2.51.53
